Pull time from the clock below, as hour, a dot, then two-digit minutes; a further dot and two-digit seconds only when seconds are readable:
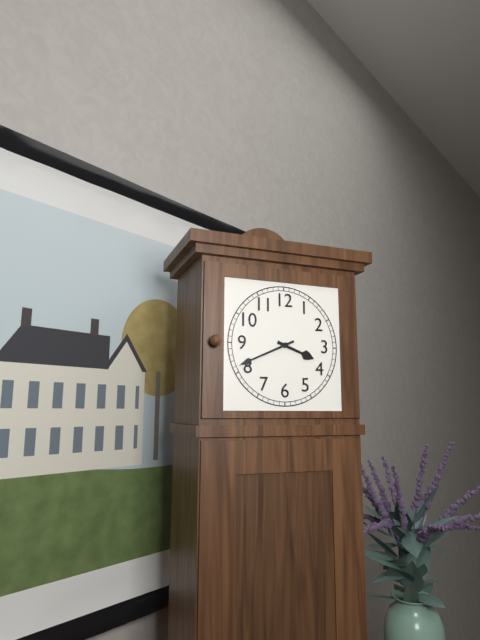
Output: 3.41
